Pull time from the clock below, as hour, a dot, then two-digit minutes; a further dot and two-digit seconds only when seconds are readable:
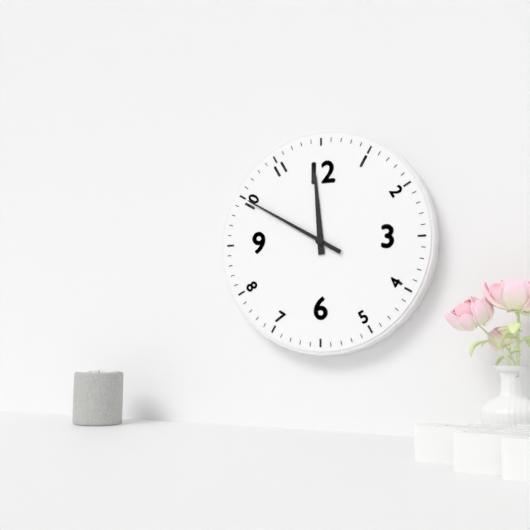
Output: 11.50
